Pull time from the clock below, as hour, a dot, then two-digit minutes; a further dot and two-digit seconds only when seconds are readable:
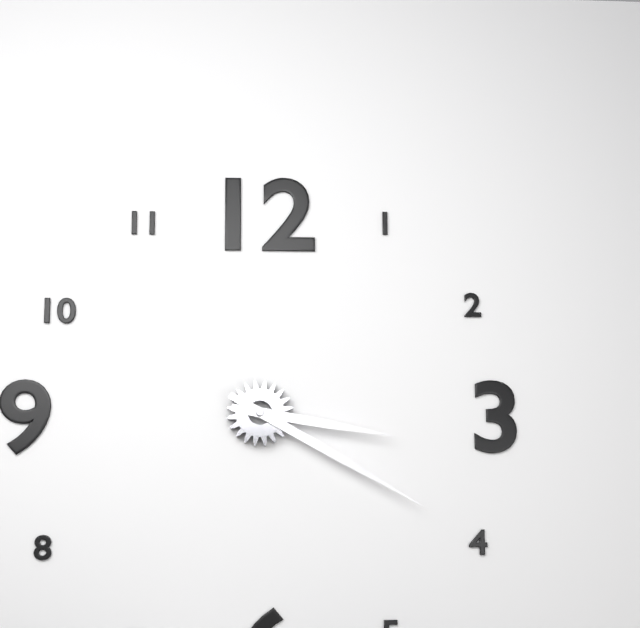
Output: 3.20
